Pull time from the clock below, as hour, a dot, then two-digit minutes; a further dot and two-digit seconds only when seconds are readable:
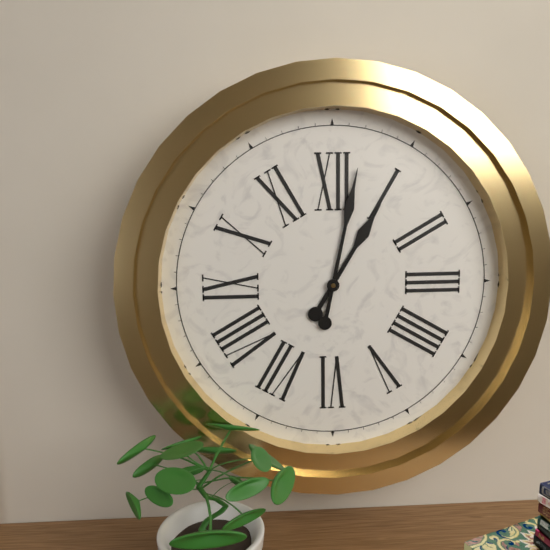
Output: 1.02
